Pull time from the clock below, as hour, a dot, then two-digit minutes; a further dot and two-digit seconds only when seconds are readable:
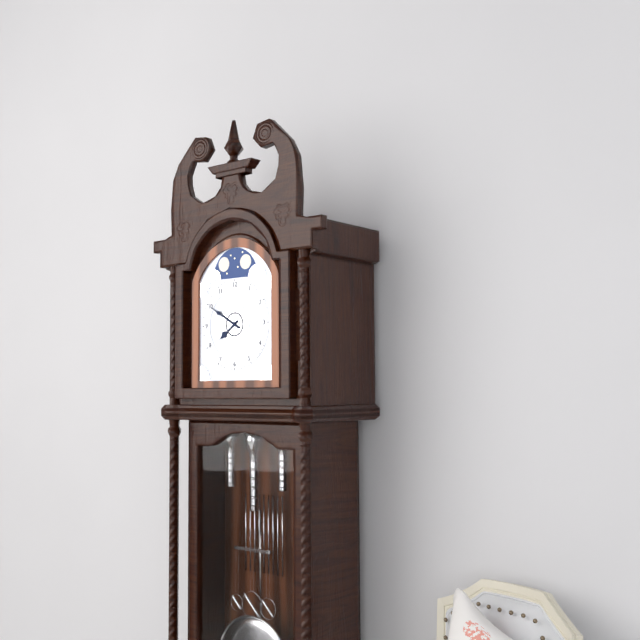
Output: 7.50
